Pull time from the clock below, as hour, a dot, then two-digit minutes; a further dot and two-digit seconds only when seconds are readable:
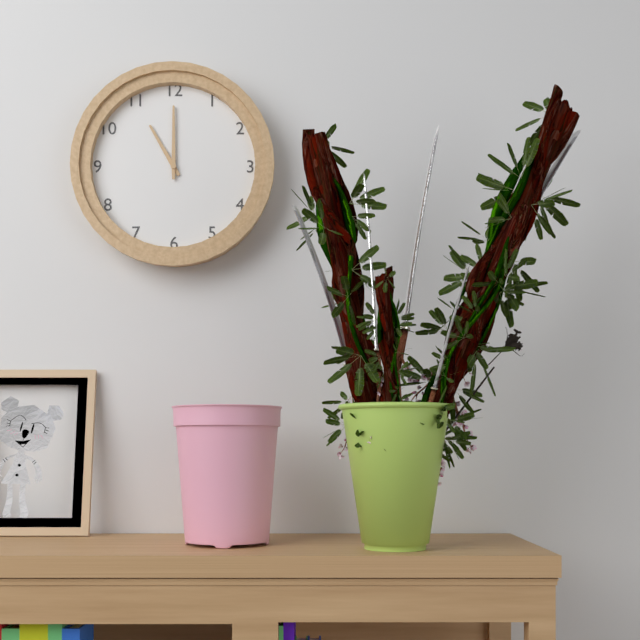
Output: 11.00
